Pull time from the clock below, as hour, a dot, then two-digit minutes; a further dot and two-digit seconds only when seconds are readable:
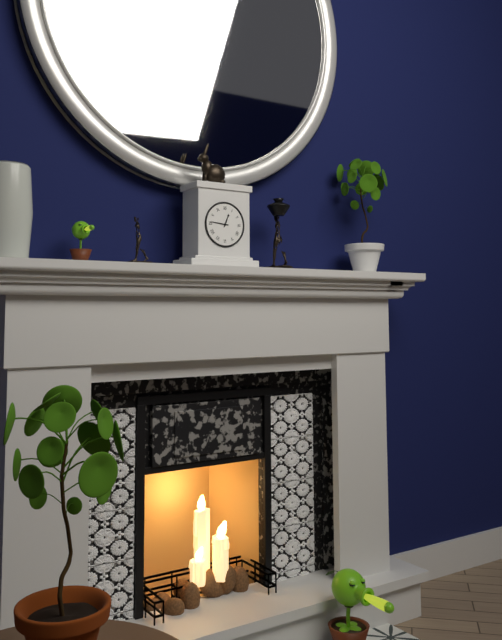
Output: 12.46
